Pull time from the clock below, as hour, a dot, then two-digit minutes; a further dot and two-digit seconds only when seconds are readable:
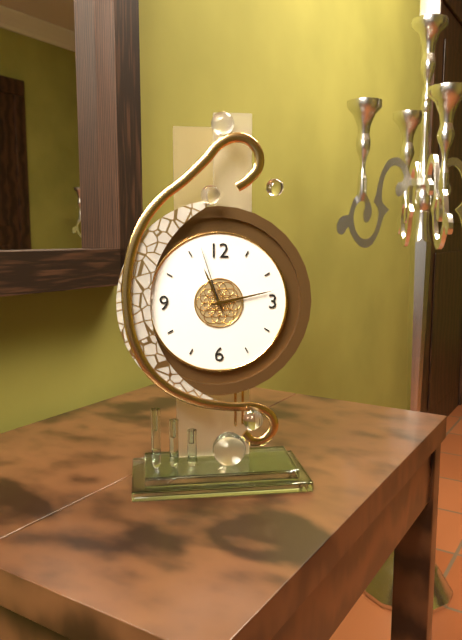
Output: 11.13.57
